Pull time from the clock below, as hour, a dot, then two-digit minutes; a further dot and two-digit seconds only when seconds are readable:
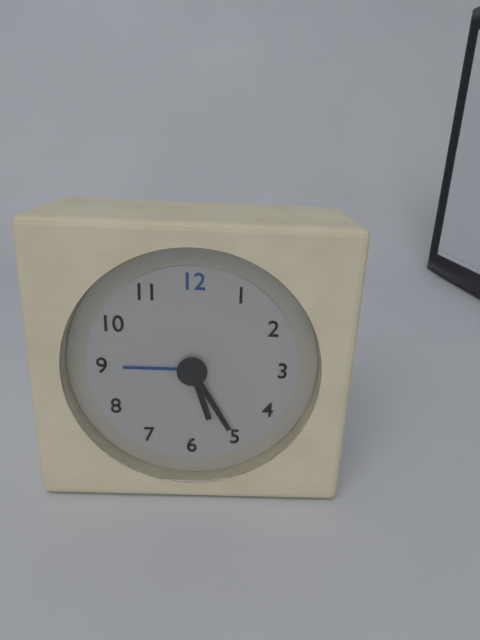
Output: 5.25
